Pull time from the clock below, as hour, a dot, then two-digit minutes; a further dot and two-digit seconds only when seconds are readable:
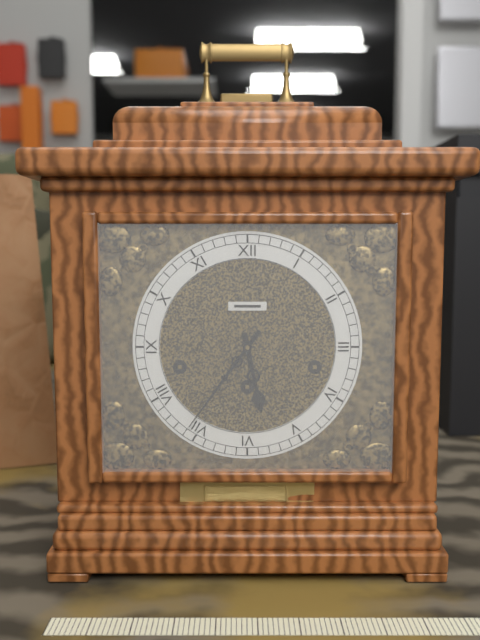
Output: 5.36
